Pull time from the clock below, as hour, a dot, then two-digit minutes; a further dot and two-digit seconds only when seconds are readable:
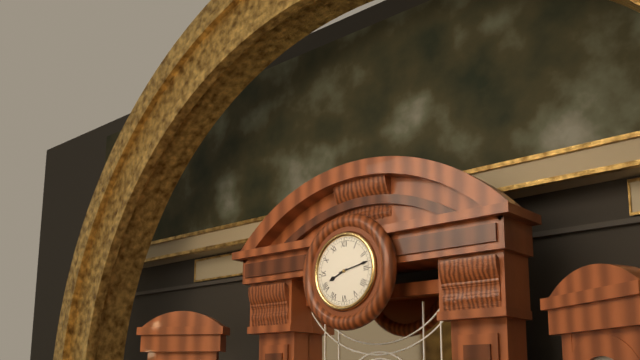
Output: 8.13
